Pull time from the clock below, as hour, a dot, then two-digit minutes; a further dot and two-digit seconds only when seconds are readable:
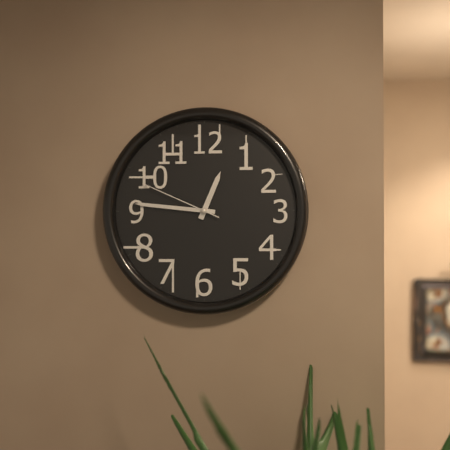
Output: 12.46.49
